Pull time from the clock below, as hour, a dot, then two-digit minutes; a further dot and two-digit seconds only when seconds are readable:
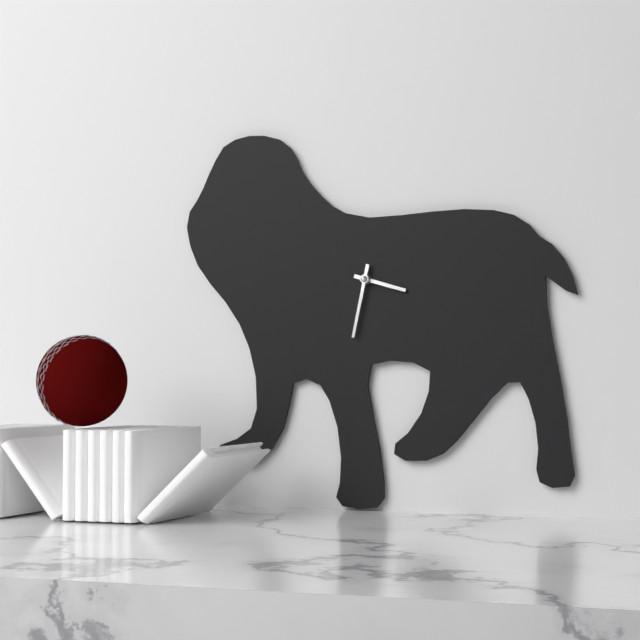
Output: 3.32
